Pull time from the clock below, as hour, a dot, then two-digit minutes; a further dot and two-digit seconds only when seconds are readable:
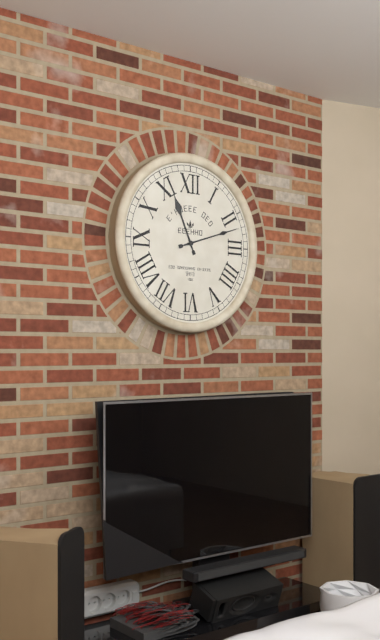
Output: 11.12
